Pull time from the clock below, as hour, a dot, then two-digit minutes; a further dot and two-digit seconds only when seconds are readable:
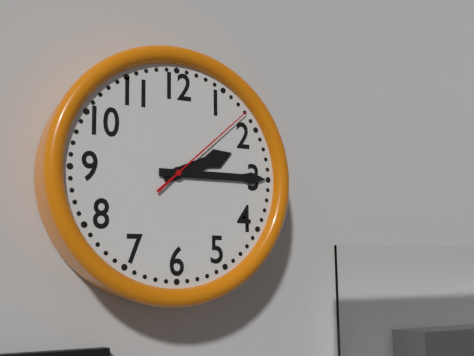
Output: 2.15.08
